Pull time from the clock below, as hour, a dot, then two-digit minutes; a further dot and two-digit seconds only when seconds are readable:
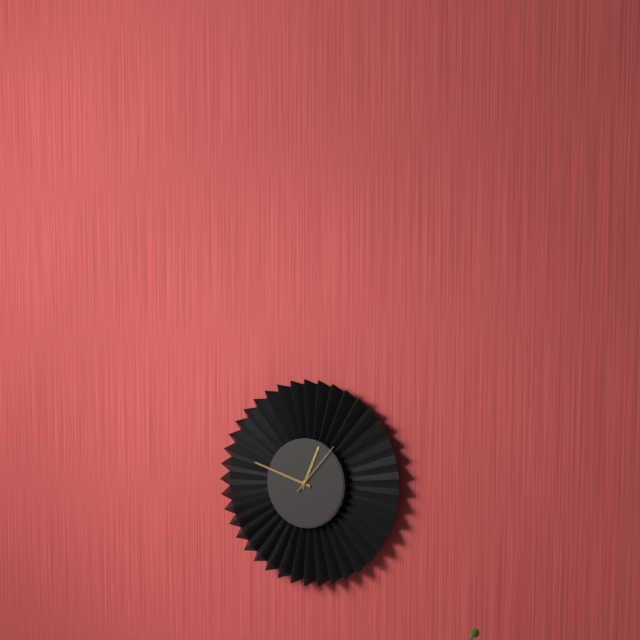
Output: 12.48.07
